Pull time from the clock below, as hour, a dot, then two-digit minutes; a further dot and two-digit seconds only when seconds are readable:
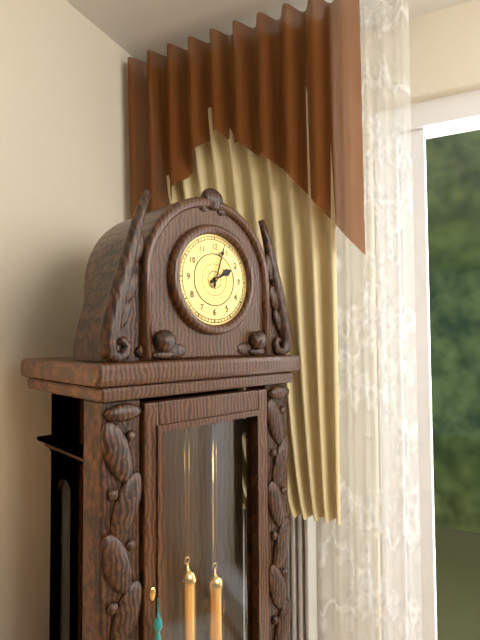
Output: 2.03
